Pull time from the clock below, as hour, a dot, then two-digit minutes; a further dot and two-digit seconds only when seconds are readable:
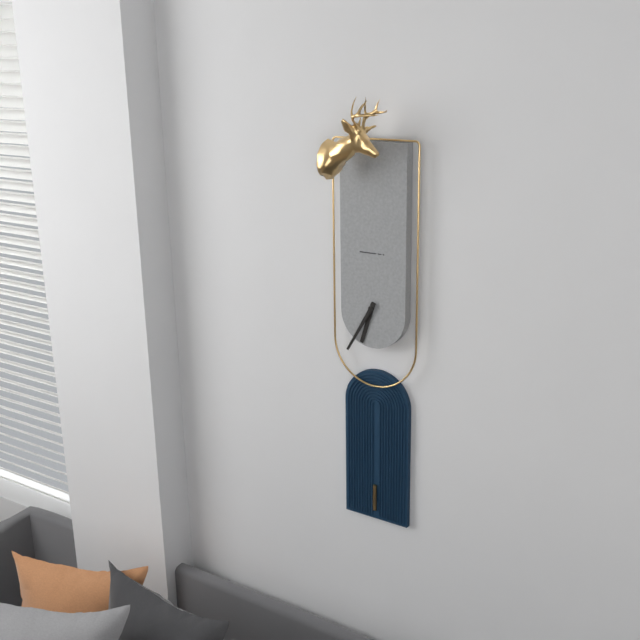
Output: 6.35
